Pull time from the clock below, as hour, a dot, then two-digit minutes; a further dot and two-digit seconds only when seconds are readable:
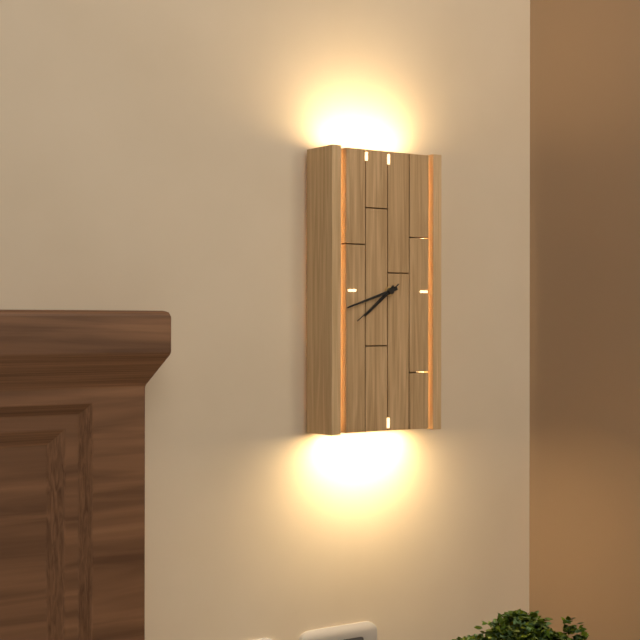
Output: 7.42.39
